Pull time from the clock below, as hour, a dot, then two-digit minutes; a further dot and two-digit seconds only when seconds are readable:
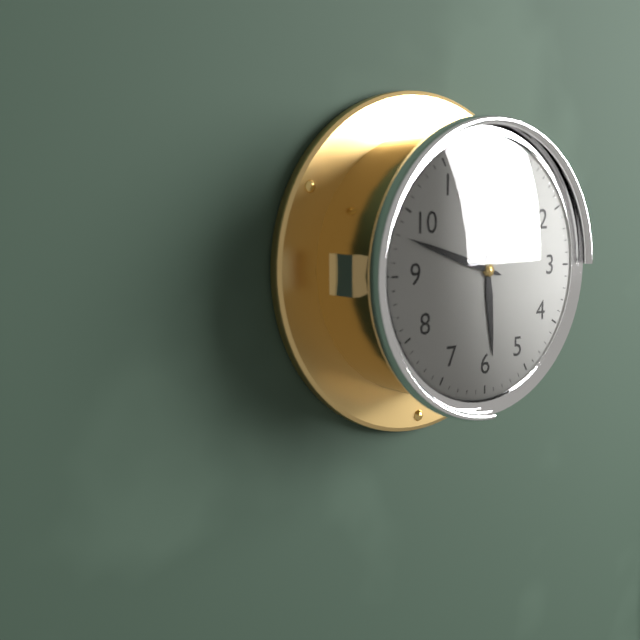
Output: 5.48
